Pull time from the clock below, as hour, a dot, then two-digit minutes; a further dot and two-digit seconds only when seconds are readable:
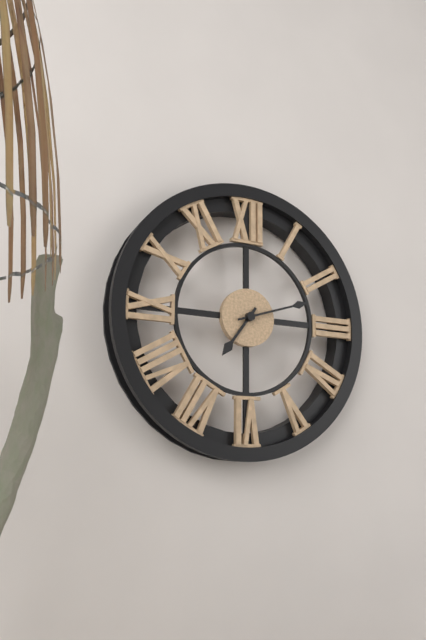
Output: 7.12
